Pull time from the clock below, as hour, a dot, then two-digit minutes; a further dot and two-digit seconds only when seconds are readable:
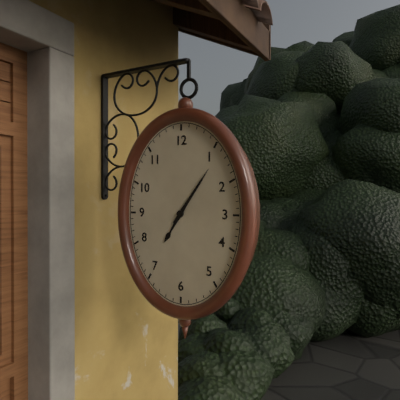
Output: 7.06
